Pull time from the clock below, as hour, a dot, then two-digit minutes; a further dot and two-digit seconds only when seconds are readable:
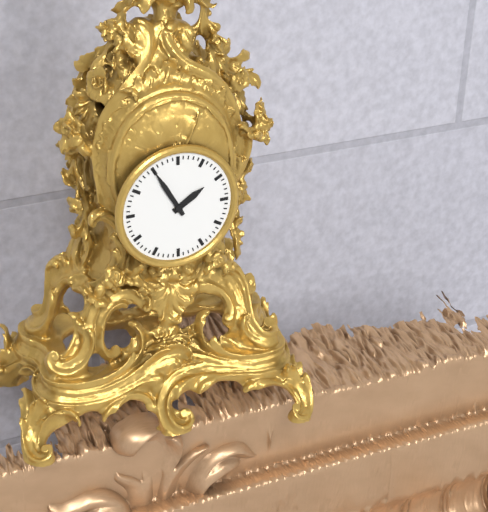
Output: 1.55
